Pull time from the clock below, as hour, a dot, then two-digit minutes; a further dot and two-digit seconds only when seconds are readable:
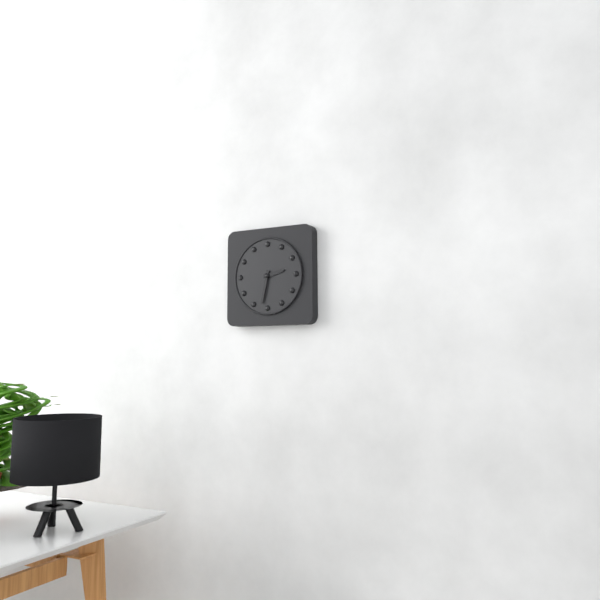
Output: 2.32
